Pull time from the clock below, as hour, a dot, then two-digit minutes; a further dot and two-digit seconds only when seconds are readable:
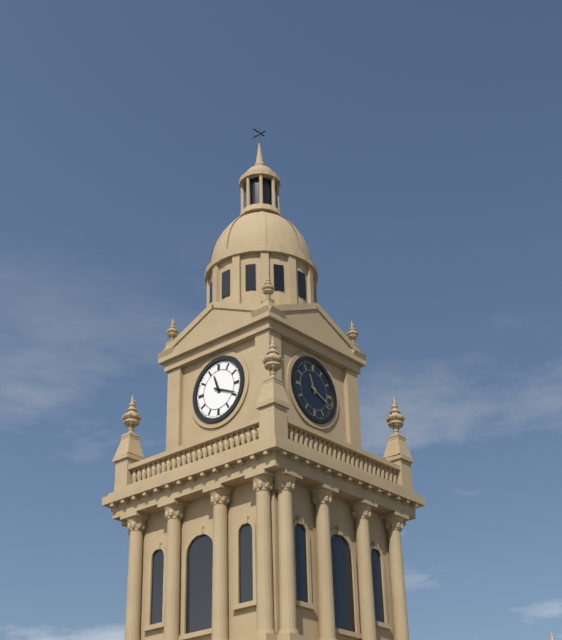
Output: 11.19
